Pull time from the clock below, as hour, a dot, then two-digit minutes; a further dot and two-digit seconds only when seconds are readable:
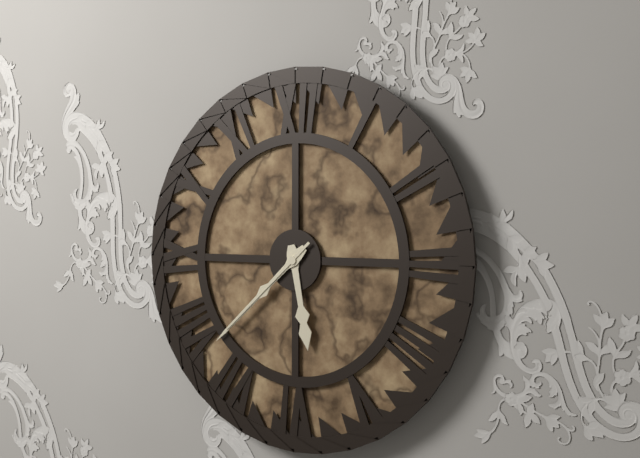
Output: 5.38.38
